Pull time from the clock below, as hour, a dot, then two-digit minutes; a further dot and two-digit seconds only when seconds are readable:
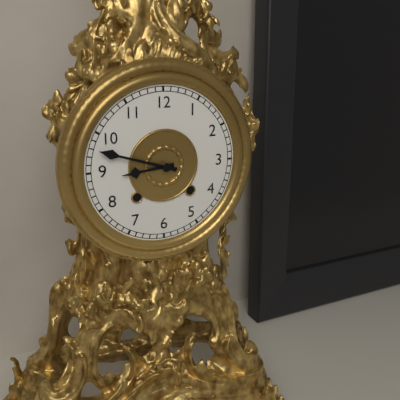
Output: 8.48
